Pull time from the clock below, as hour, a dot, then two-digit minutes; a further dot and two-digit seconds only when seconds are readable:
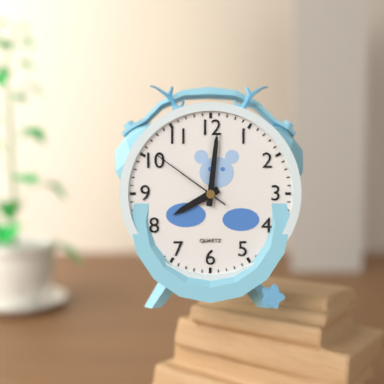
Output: 8.01.51
